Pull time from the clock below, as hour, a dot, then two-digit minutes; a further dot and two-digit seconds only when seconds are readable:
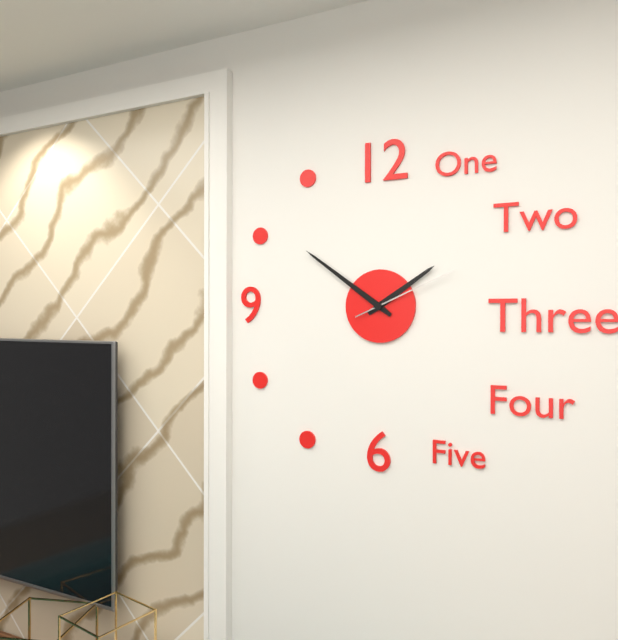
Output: 1.51.11
